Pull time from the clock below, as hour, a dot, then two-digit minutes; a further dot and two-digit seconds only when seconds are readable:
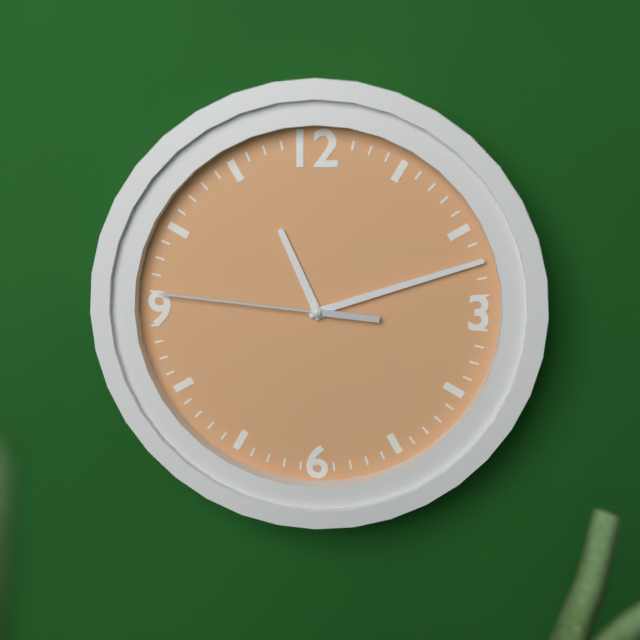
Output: 11.12.46
